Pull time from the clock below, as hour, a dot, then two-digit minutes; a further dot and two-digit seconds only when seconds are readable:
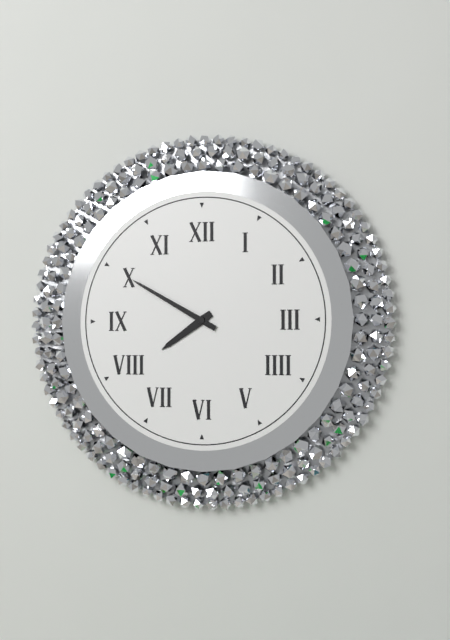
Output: 7.50
